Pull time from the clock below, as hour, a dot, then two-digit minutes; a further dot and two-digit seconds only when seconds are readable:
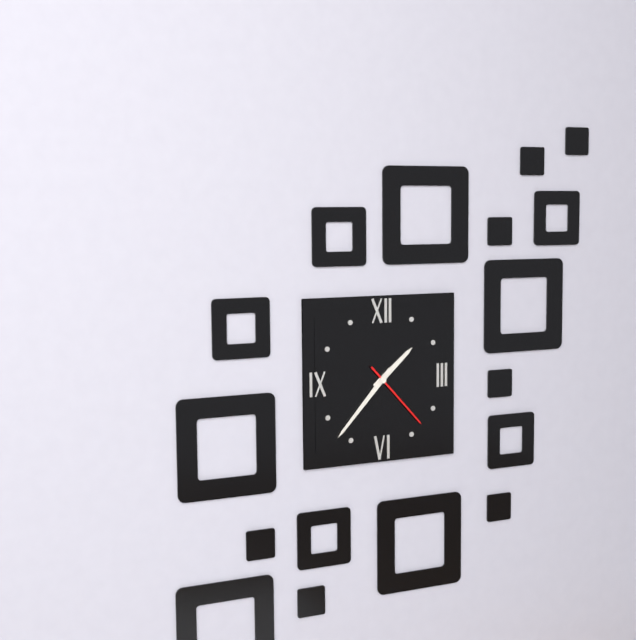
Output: 1.37.23
